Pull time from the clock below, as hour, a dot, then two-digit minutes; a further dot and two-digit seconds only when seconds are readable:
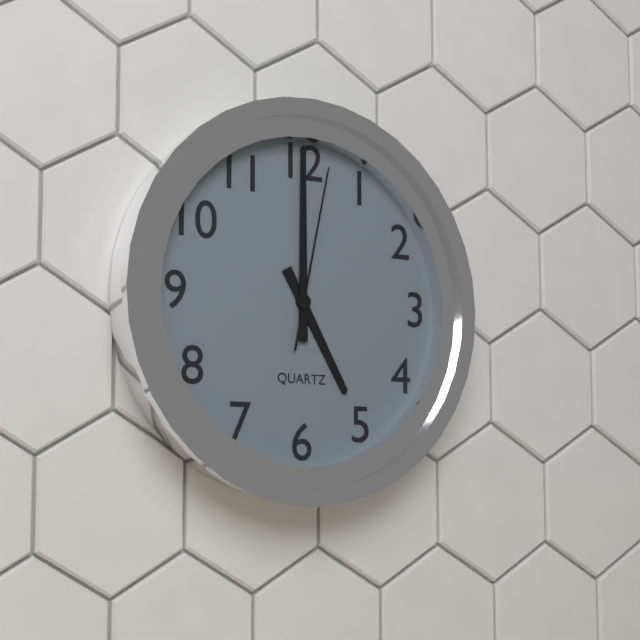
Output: 5.00.02
